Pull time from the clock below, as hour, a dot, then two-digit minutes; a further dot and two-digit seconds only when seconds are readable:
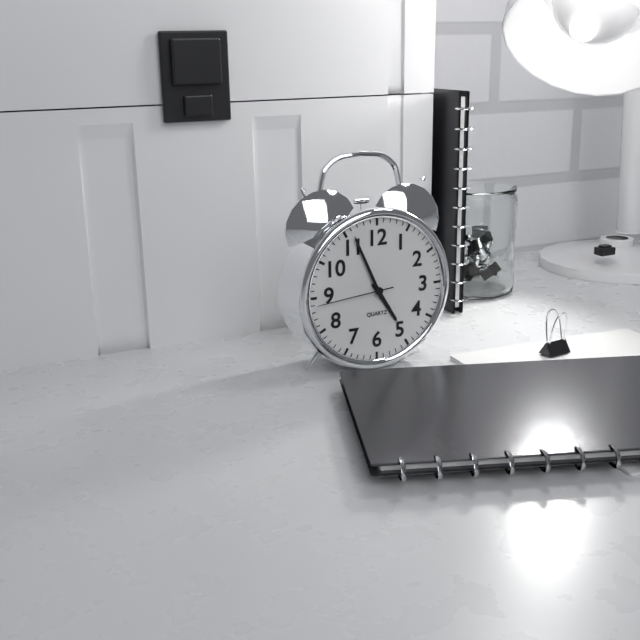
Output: 4.56.44
